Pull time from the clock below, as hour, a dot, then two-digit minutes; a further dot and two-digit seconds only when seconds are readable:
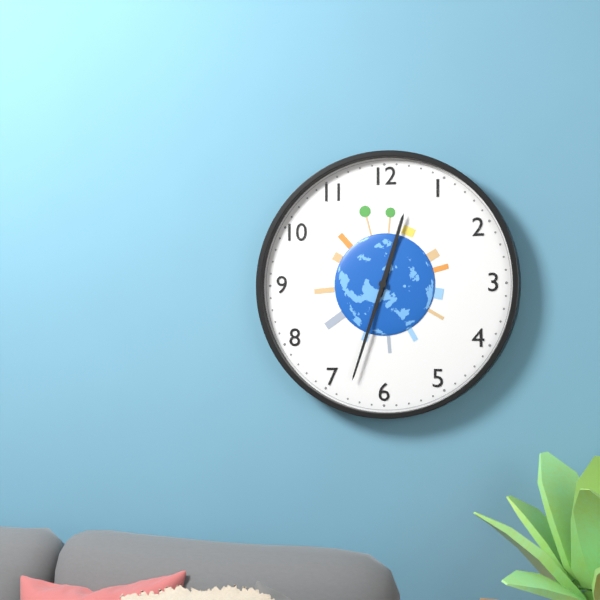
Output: 12.33
